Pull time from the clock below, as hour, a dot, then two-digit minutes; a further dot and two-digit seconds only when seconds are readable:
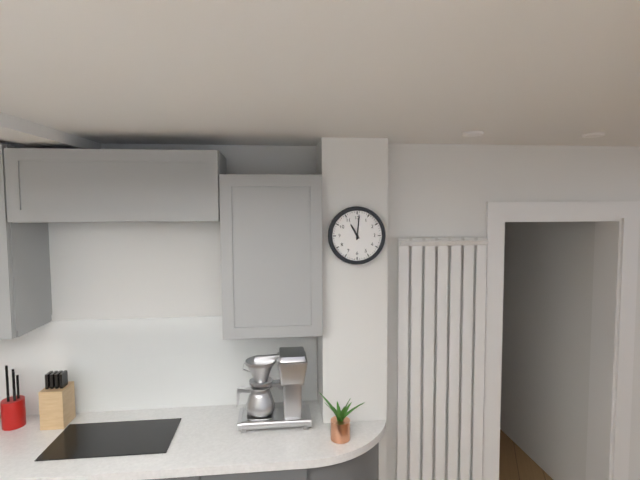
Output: 11.01
